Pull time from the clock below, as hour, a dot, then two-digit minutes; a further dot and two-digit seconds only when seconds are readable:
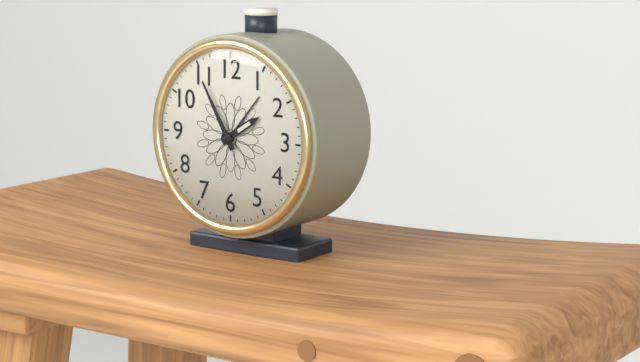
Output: 1.55
